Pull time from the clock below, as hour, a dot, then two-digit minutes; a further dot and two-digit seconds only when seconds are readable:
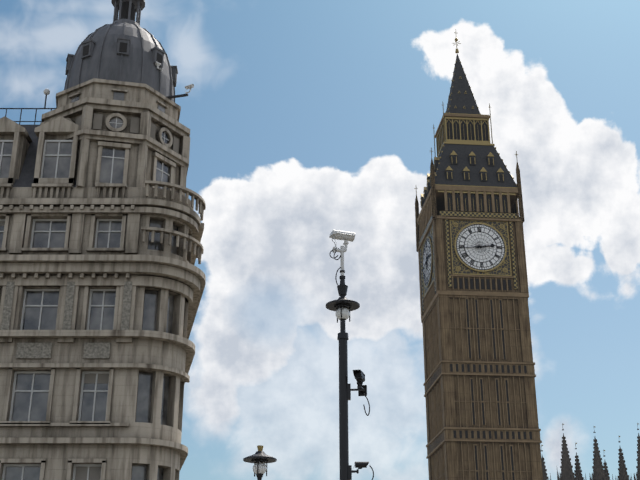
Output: 2.44
